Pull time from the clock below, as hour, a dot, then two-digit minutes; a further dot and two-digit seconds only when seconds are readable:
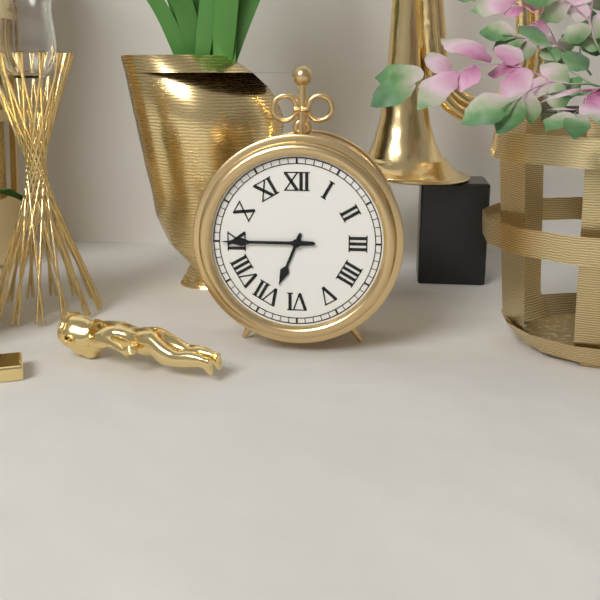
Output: 6.45
